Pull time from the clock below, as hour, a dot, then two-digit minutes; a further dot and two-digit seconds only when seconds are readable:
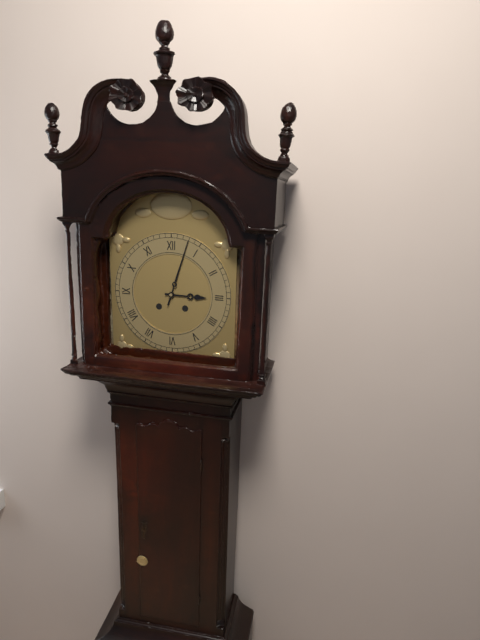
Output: 3.03
